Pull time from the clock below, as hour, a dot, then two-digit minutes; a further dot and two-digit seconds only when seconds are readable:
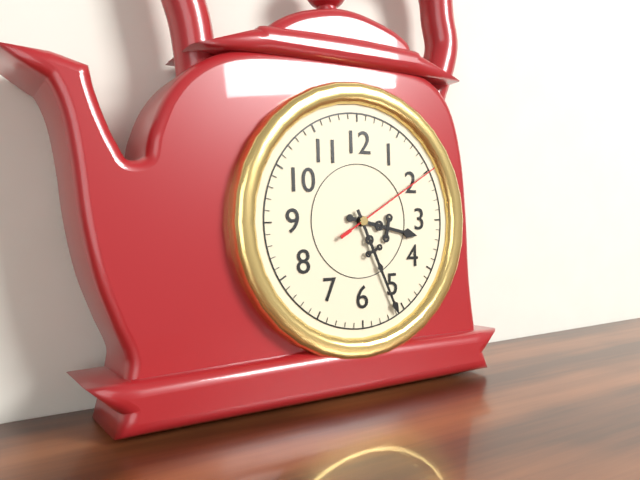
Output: 3.26.10
